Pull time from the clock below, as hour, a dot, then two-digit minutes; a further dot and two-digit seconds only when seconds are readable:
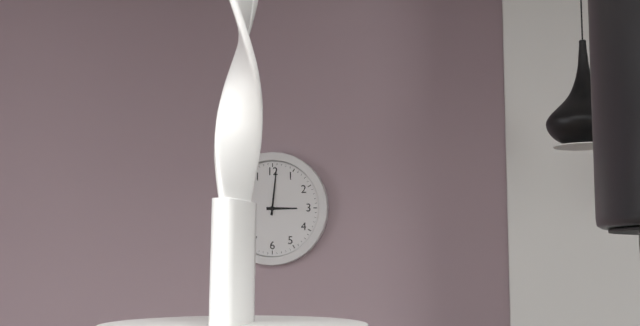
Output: 3.01
